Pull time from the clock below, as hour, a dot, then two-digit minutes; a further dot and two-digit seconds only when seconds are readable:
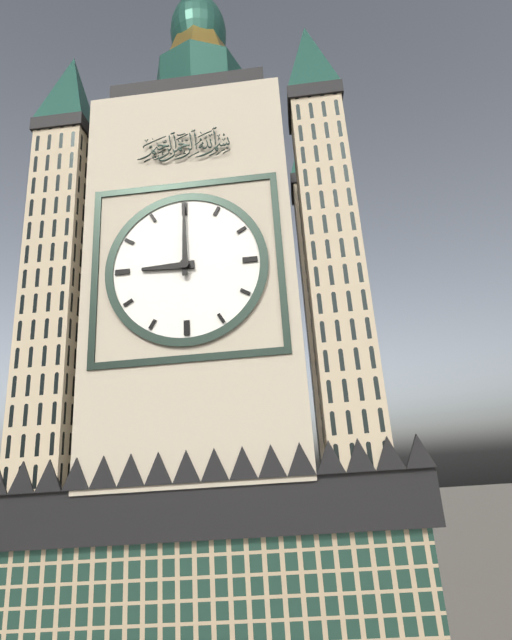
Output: 9.00
